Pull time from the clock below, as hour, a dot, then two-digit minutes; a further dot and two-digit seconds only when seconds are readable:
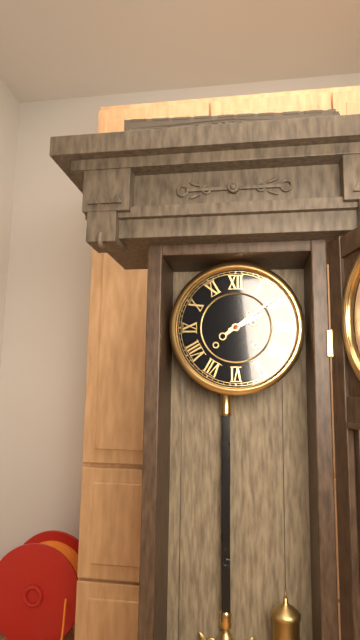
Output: 2.09
